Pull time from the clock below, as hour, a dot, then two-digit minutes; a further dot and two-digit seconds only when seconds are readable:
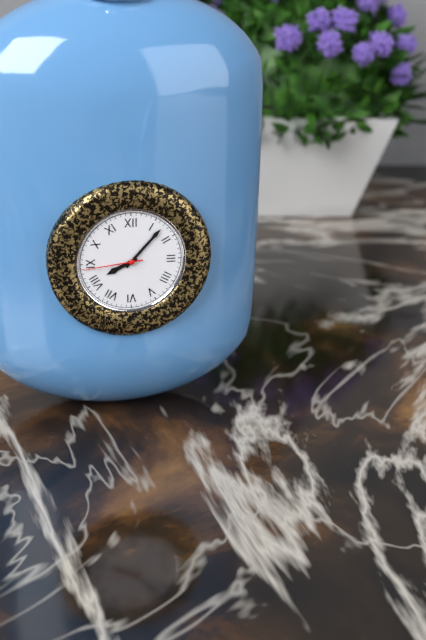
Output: 8.07.44
